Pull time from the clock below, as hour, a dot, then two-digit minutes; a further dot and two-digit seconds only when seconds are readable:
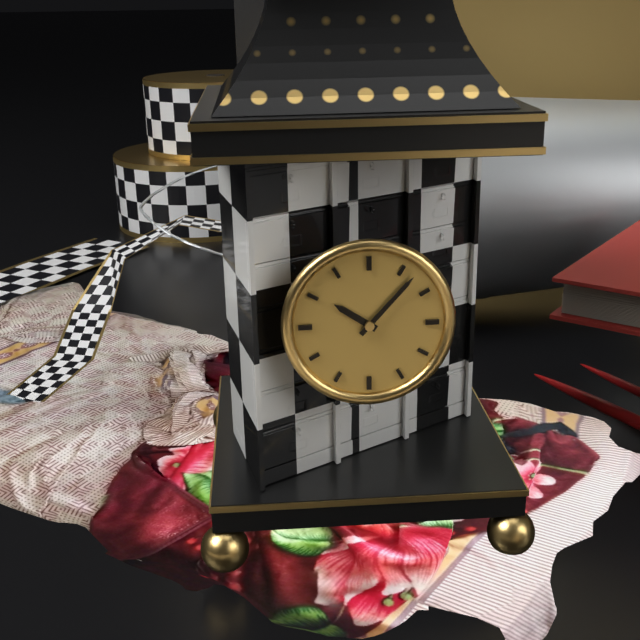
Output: 10.07
